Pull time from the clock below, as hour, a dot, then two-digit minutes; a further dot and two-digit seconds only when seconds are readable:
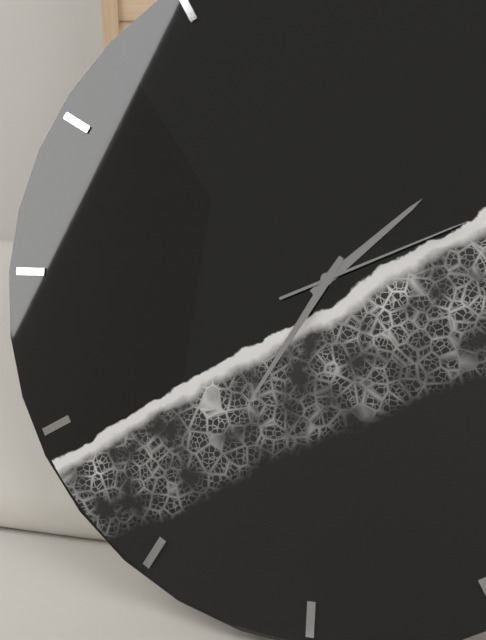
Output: 1.35.11
